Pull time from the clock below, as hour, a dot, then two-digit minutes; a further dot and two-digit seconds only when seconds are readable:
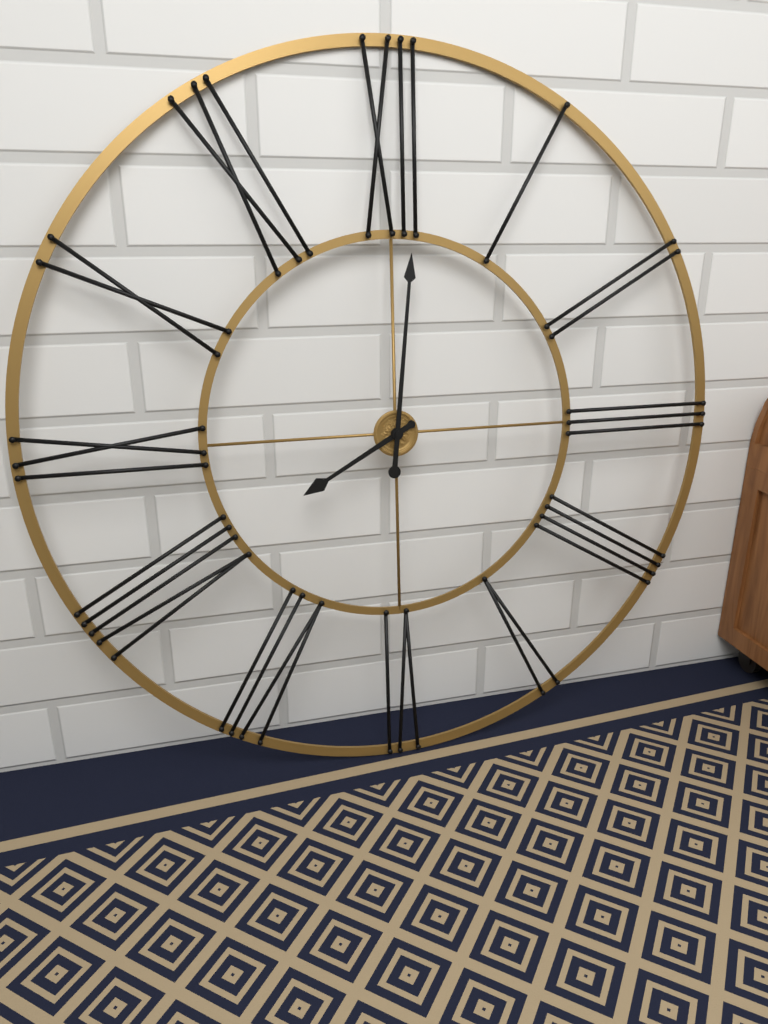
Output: 8.01
